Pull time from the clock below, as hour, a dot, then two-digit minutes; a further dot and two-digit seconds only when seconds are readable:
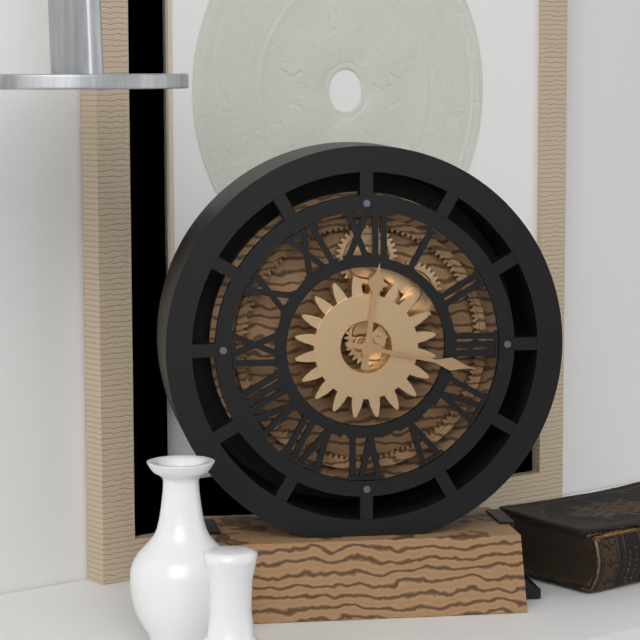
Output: 12.17
